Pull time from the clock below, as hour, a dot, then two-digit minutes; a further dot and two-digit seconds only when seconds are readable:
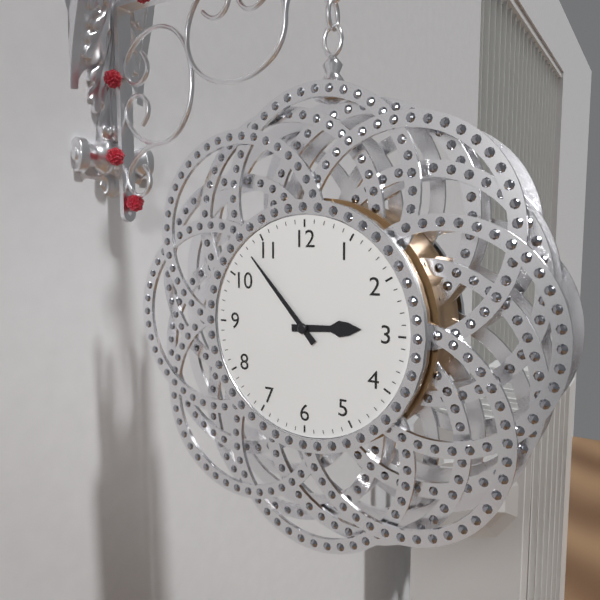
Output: 2.53
